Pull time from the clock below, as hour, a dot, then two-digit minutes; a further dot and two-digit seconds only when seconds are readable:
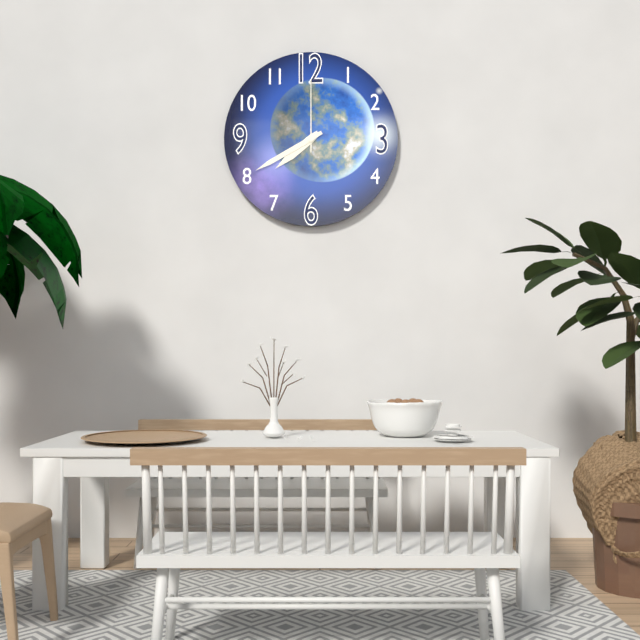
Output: 7.40.00
